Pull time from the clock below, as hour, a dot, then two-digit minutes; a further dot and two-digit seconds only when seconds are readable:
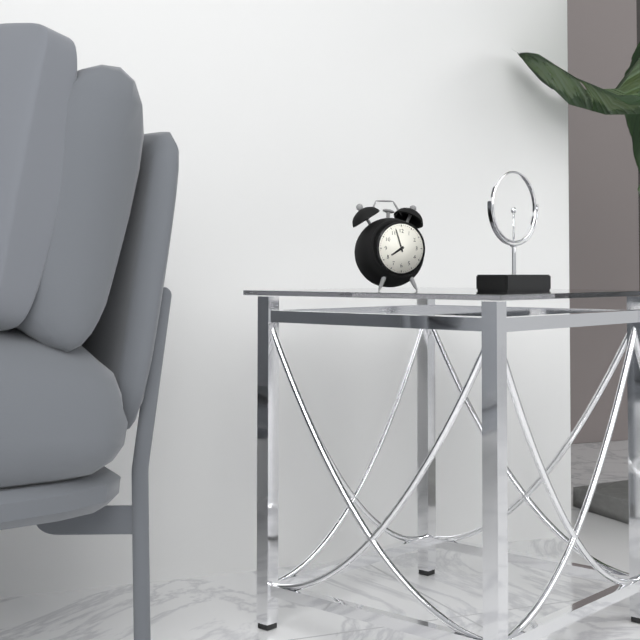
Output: 7.57
